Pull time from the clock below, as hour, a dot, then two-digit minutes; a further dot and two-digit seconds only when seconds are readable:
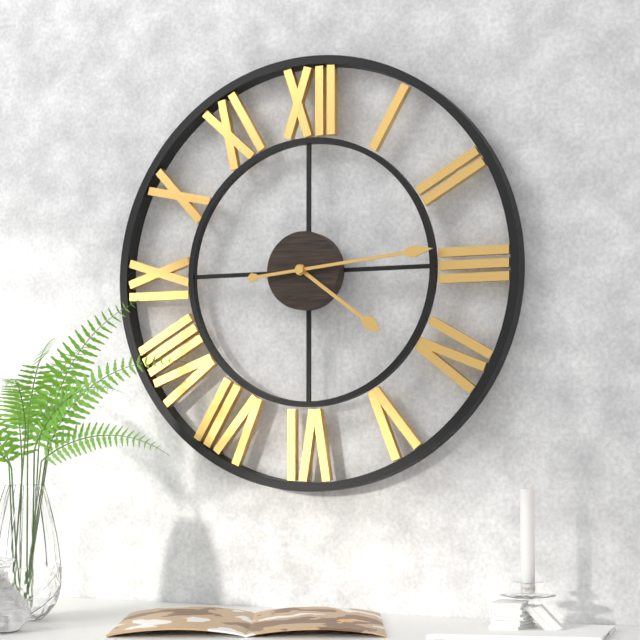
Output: 4.14
